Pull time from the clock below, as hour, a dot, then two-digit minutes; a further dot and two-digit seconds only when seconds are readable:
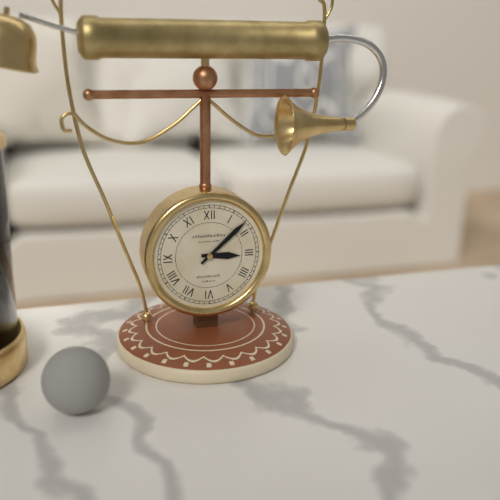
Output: 3.08
